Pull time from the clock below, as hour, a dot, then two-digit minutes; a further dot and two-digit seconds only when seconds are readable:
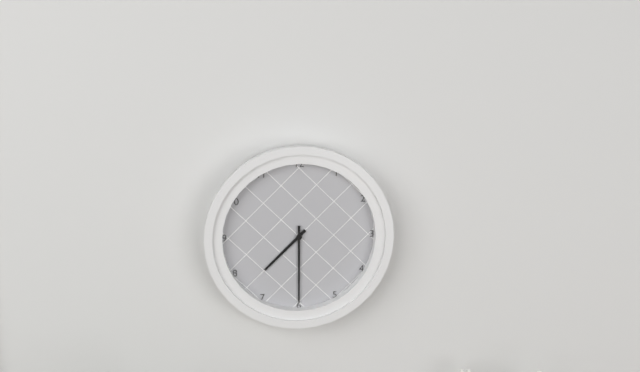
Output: 7.30
